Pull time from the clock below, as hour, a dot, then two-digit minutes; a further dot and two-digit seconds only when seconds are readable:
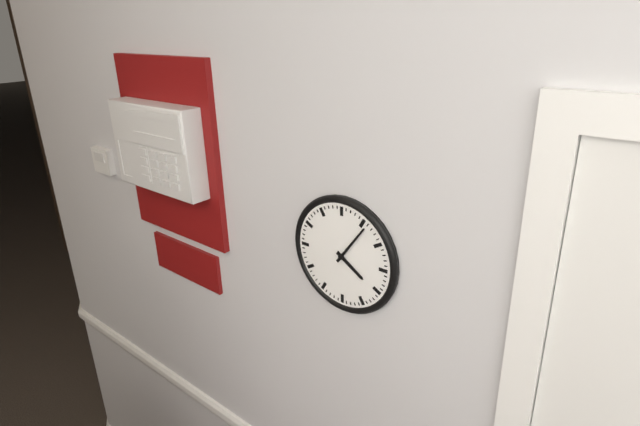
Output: 4.06
